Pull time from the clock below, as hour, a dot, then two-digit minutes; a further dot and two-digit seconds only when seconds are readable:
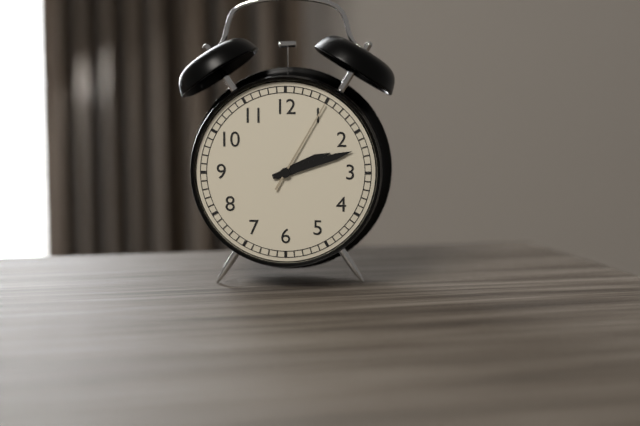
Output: 2.12.05
